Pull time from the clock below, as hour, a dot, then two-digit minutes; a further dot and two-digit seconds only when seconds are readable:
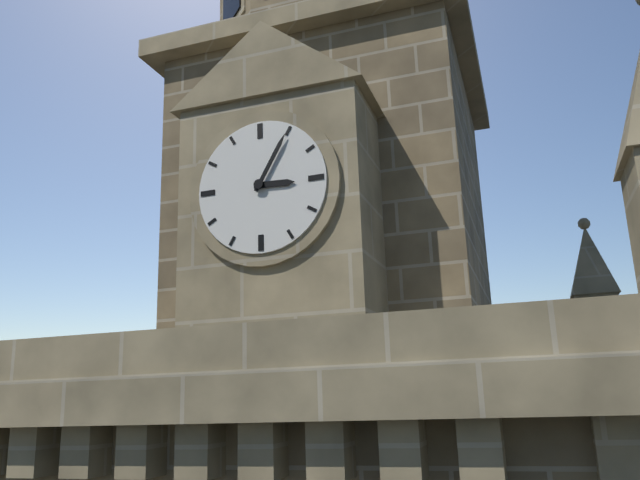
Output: 3.05
